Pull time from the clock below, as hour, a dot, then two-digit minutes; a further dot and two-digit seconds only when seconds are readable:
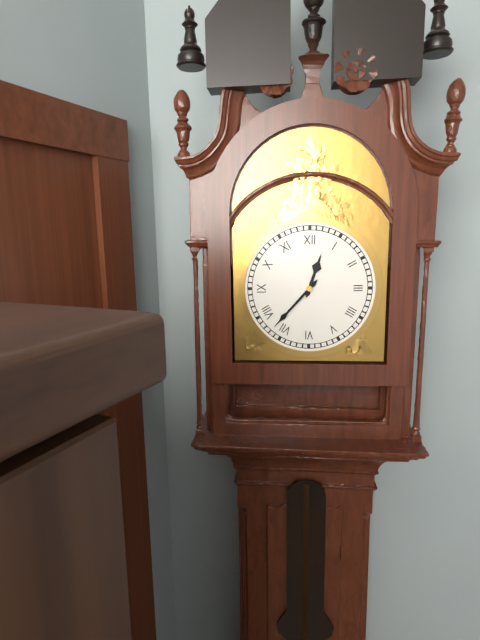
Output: 12.37
